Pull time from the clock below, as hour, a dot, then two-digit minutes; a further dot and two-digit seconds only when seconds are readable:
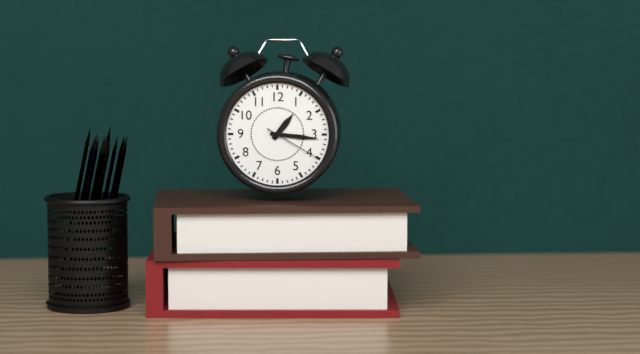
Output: 1.16.20
